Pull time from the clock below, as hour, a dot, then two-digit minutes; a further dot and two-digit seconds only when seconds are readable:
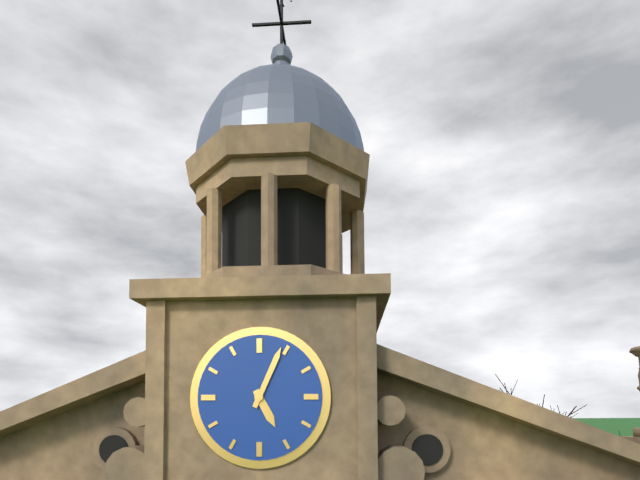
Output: 5.04
